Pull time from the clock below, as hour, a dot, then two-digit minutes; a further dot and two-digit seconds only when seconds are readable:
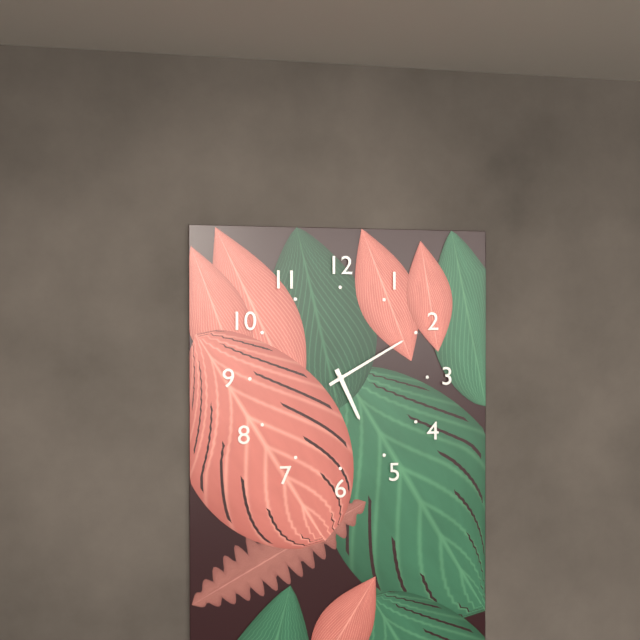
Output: 5.10
